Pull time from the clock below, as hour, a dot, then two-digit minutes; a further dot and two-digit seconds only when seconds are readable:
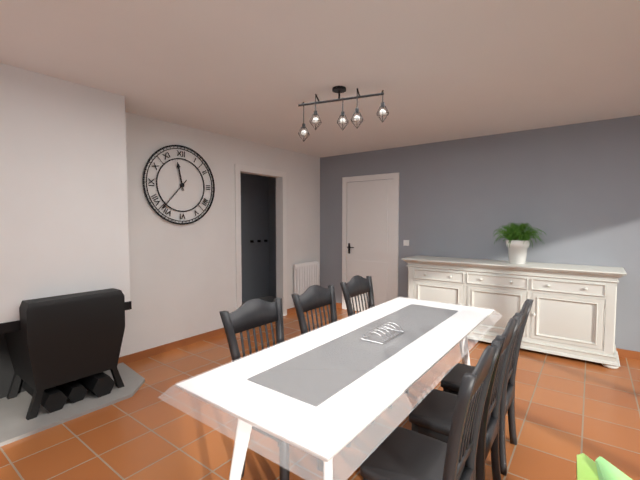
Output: 11.37
